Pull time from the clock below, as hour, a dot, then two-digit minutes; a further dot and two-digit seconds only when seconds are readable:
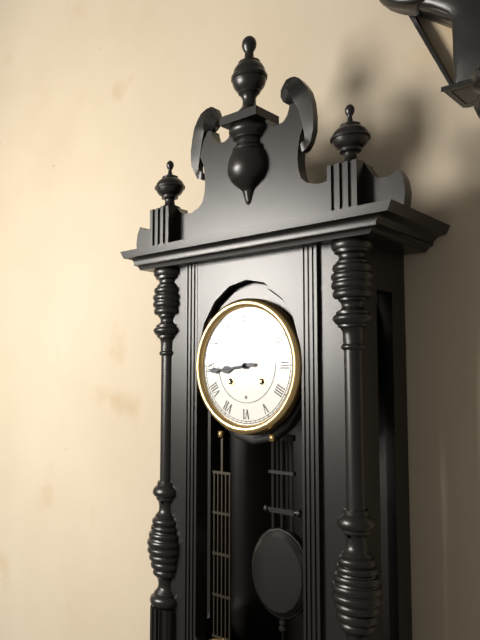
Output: 8.44
